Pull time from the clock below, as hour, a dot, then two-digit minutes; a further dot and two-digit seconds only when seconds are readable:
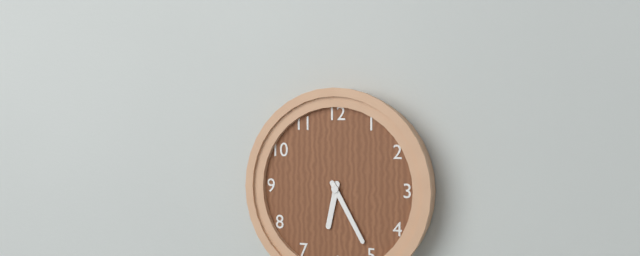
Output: 6.25
